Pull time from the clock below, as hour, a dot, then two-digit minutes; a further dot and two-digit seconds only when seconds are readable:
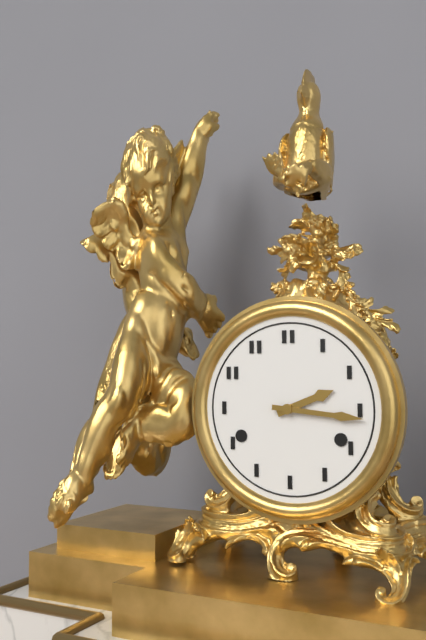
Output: 2.16
